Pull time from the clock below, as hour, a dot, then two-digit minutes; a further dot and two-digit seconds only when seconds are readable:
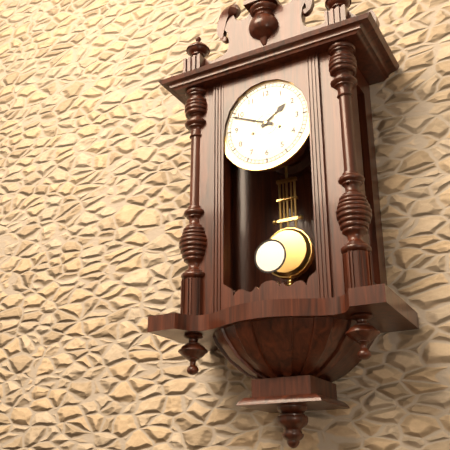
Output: 1.49
